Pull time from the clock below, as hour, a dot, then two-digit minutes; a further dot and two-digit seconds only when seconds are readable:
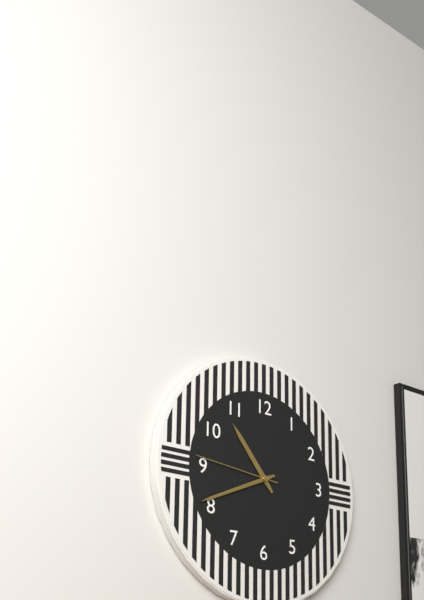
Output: 10.41.46
